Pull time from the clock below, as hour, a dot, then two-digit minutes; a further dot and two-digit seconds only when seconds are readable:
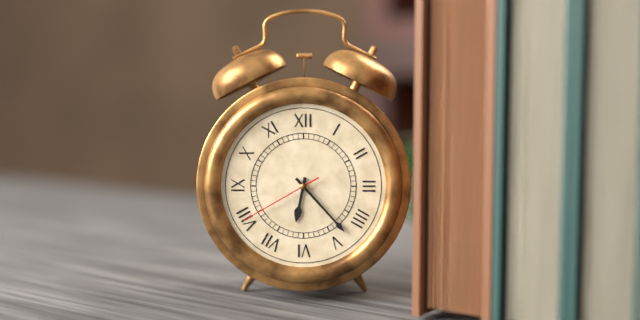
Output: 6.23.40
